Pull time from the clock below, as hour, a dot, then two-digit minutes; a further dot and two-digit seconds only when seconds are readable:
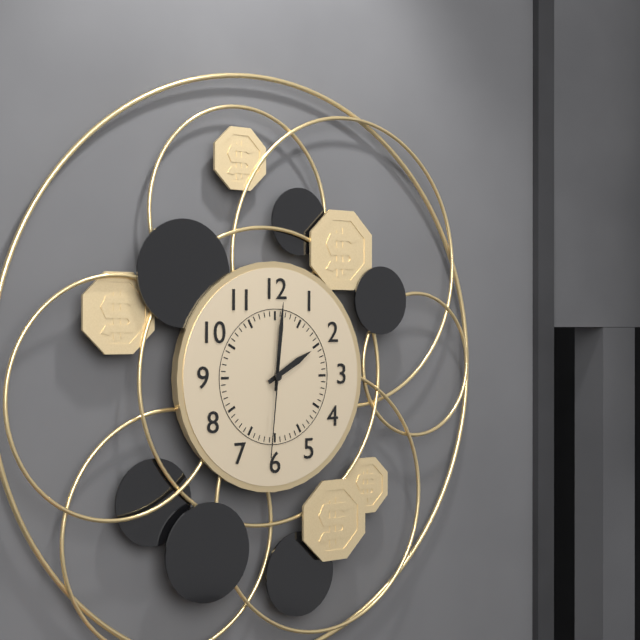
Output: 2.01.31
